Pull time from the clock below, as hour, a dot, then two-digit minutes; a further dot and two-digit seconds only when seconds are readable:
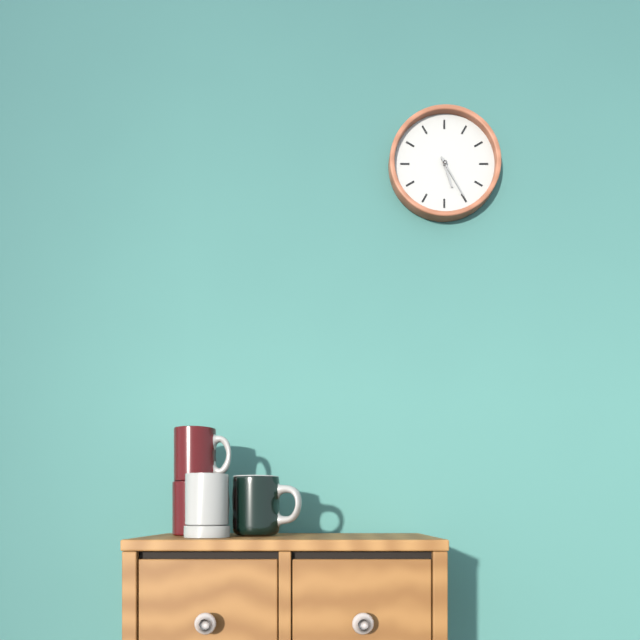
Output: 5.25
